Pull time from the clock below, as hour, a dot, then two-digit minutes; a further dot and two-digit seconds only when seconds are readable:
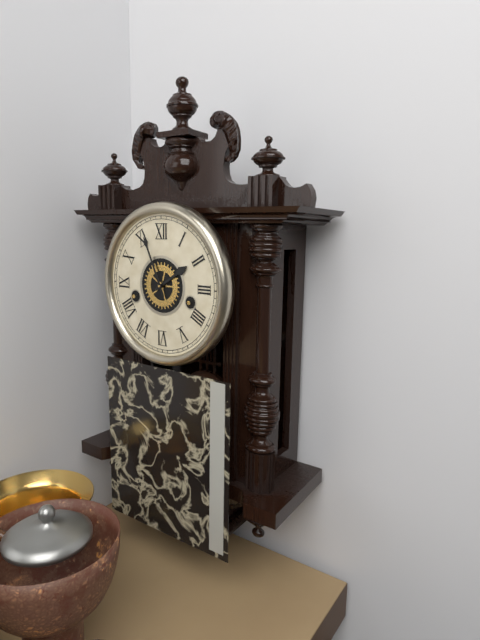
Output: 1.56
